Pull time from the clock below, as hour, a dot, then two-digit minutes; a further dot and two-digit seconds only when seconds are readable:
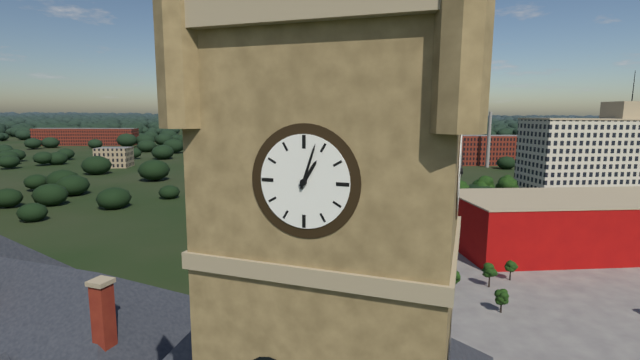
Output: 1.03
